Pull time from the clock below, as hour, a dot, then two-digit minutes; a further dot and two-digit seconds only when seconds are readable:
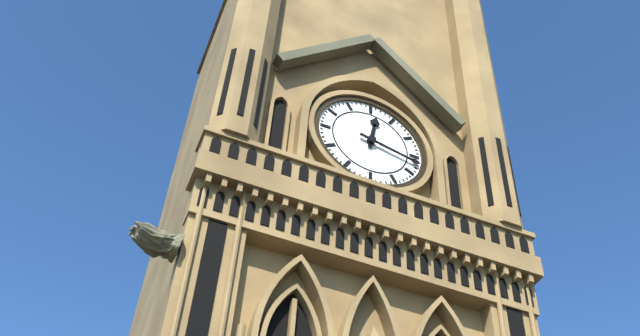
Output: 12.17
